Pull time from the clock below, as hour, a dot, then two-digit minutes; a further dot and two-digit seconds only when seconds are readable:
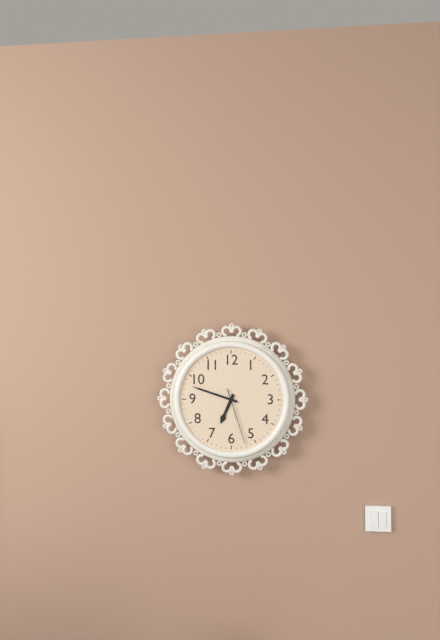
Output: 6.48.27
